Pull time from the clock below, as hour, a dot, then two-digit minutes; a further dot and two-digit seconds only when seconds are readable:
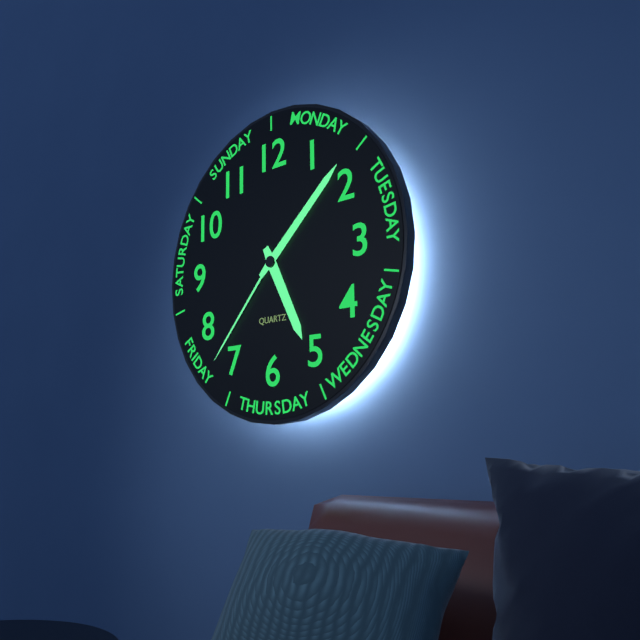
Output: 5.08.37
